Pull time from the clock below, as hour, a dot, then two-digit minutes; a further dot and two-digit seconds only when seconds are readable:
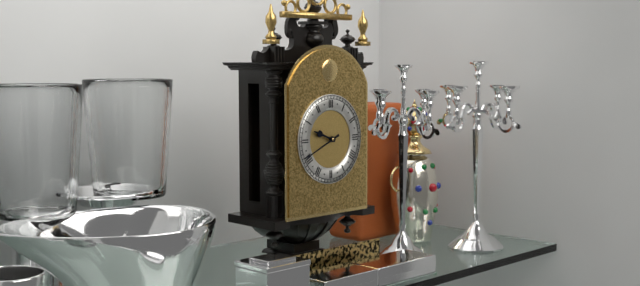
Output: 9.41
